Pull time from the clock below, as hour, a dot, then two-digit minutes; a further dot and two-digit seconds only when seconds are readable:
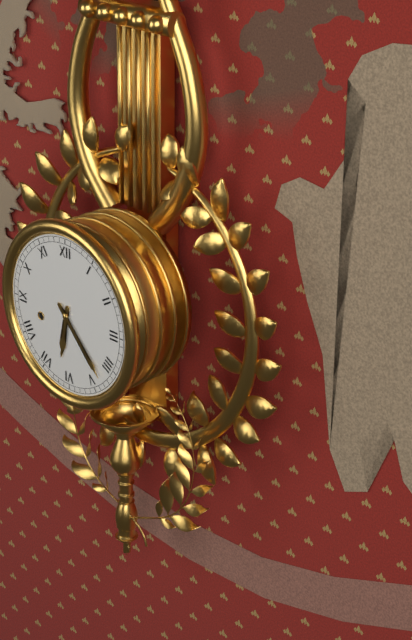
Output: 6.23
